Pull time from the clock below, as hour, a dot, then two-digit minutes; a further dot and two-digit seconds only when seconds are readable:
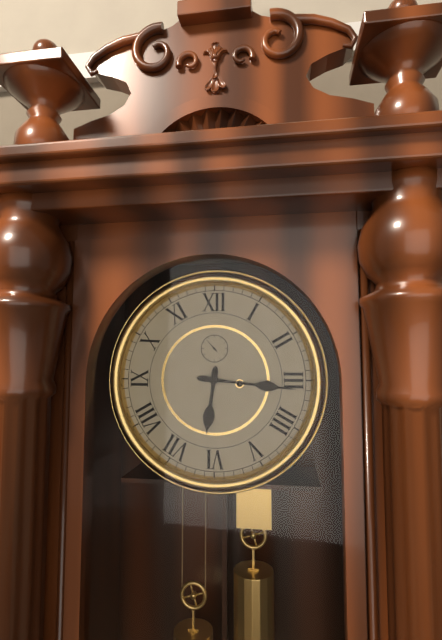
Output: 6.16
